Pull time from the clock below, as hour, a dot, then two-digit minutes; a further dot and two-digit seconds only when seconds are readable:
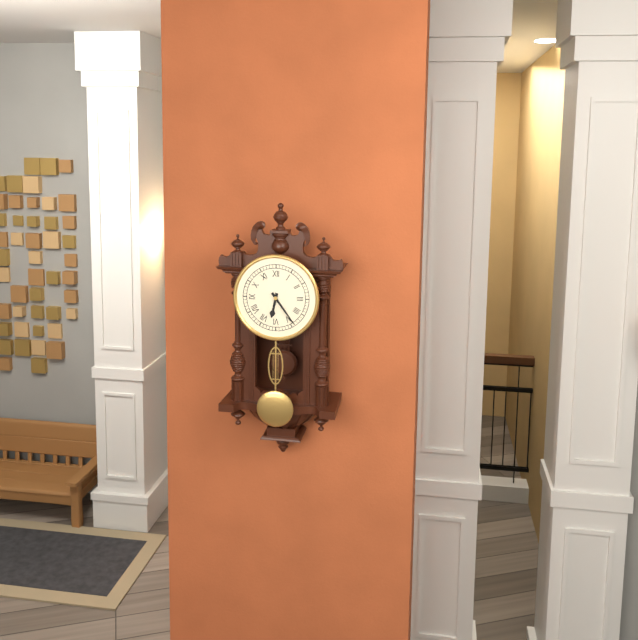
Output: 6.24
